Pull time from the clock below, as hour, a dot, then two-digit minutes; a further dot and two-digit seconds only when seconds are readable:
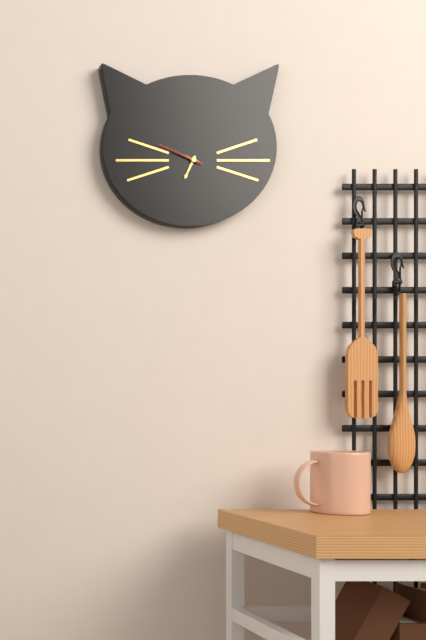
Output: 6.49
